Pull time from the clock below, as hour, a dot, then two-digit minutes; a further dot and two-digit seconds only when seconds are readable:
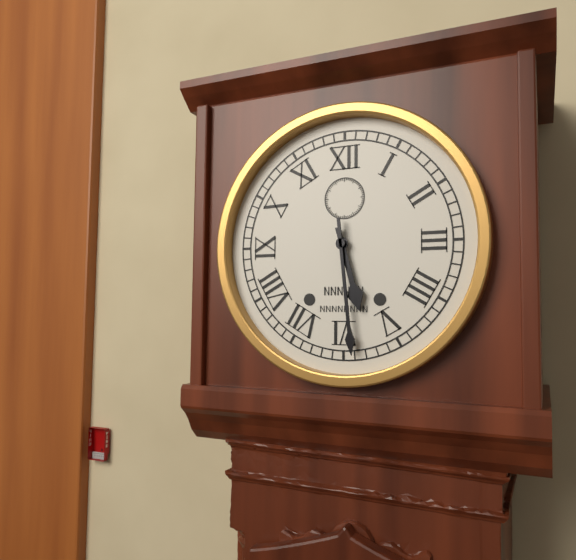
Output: 5.29
